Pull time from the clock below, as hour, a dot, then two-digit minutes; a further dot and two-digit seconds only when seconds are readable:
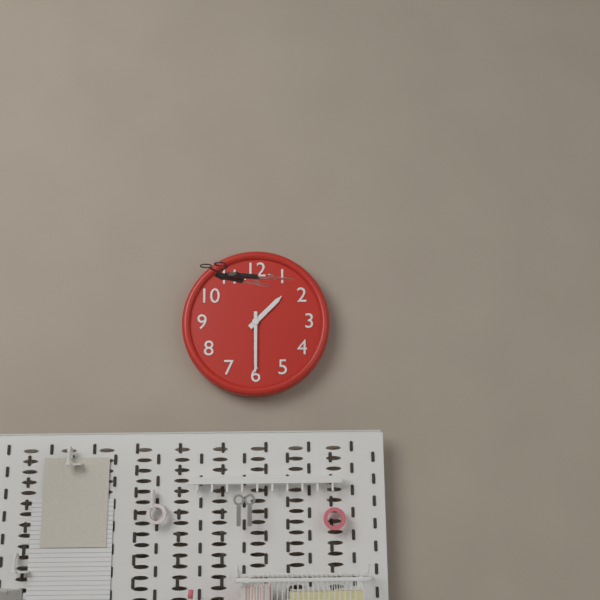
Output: 1.30
